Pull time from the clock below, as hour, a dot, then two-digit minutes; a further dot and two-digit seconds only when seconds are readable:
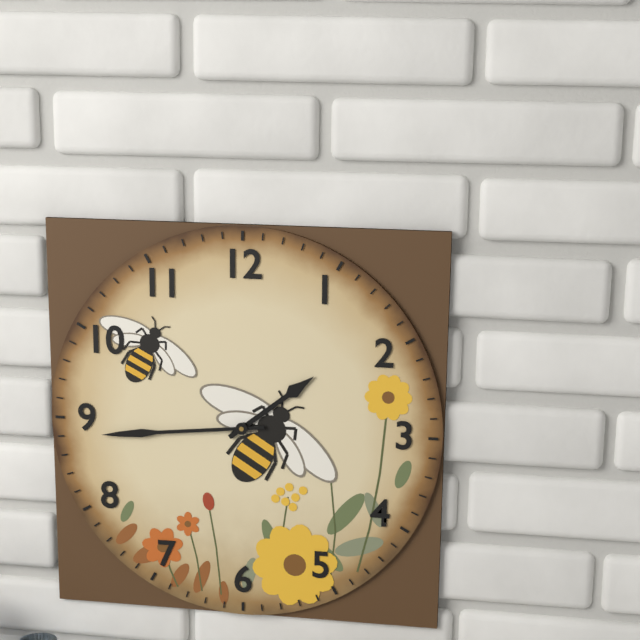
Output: 1.44
